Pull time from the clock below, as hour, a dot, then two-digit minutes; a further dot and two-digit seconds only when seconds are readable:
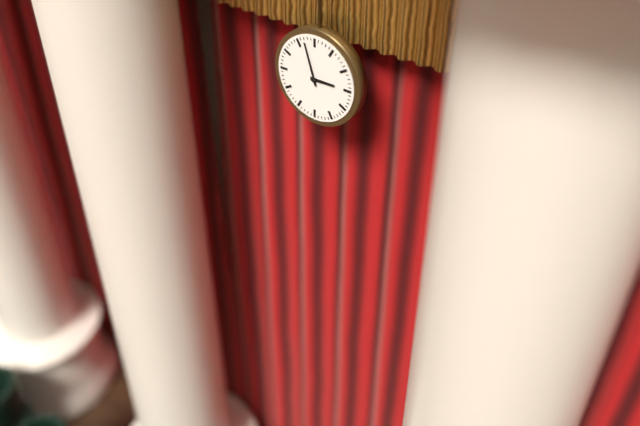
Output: 2.57
